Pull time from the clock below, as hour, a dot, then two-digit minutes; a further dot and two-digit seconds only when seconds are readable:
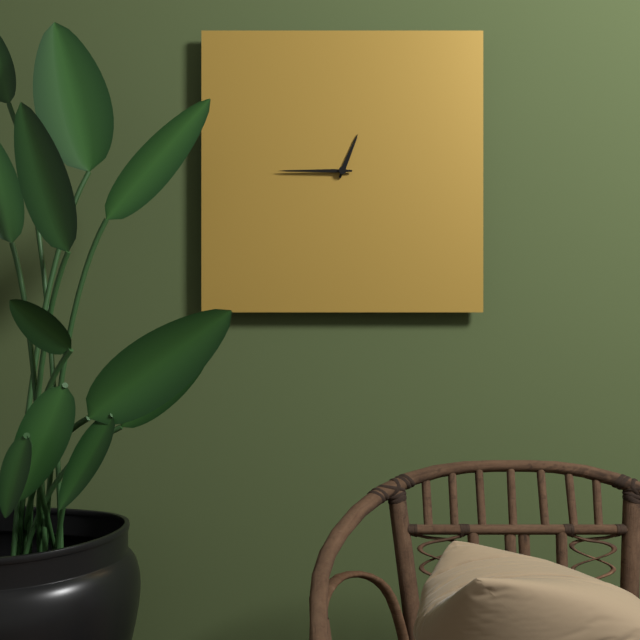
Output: 12.45
